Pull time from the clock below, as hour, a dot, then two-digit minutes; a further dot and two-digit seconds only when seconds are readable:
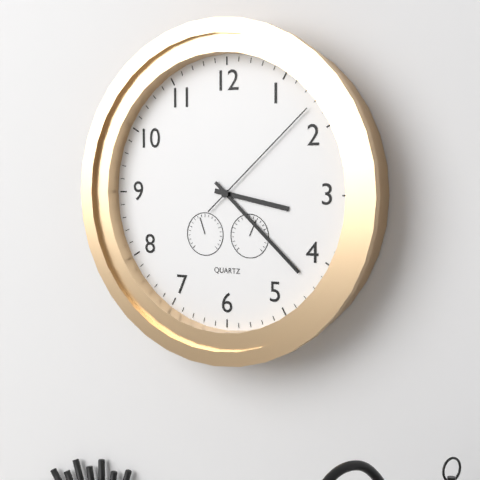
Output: 3.22.08
